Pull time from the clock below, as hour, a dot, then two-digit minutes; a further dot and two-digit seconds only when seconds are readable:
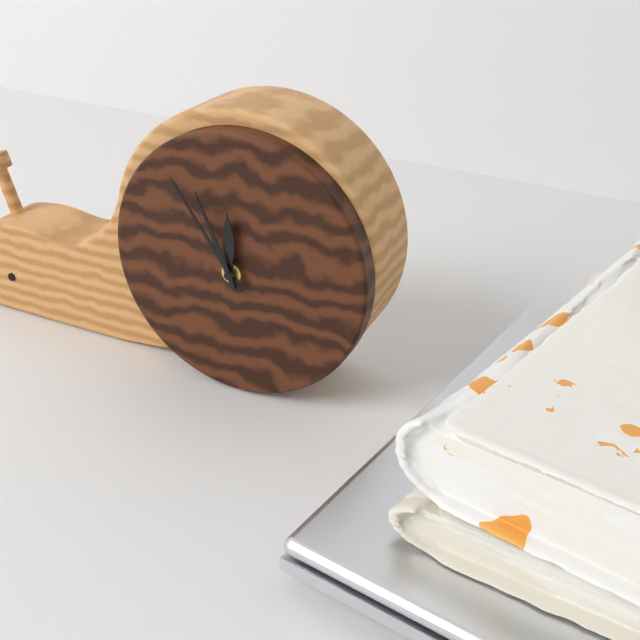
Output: 11.54.56
